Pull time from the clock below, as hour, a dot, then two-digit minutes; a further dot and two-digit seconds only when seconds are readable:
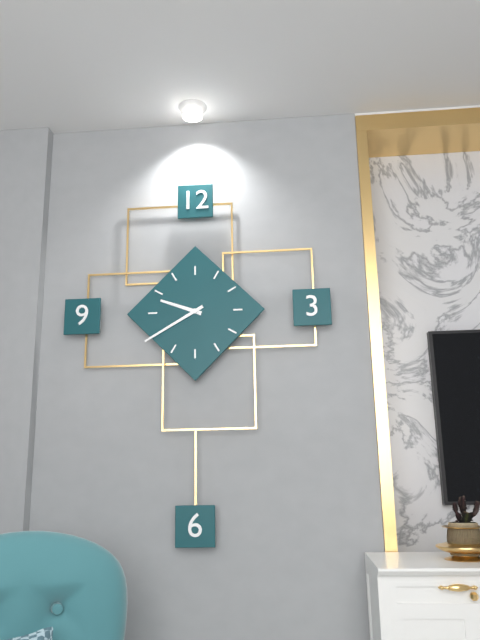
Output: 9.40
